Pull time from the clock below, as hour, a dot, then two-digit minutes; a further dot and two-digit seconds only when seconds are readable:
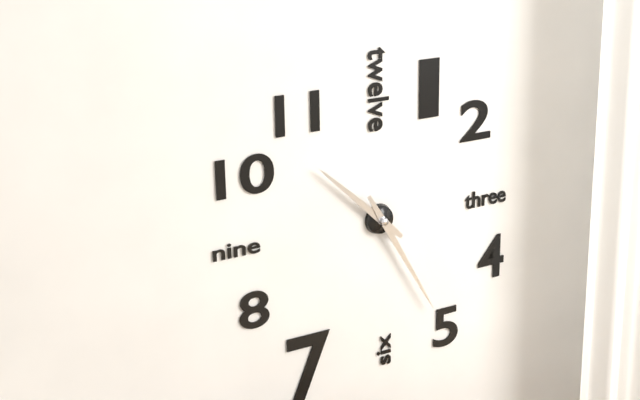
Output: 10.25
